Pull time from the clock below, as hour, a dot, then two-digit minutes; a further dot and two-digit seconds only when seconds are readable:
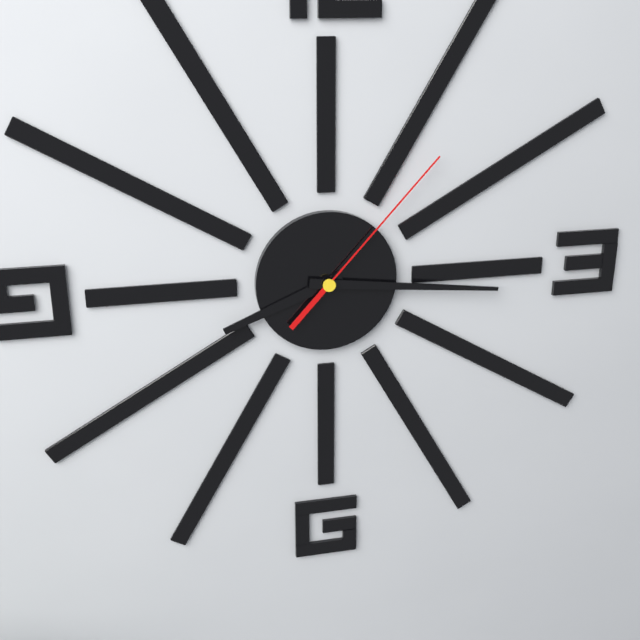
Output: 8.16.07
